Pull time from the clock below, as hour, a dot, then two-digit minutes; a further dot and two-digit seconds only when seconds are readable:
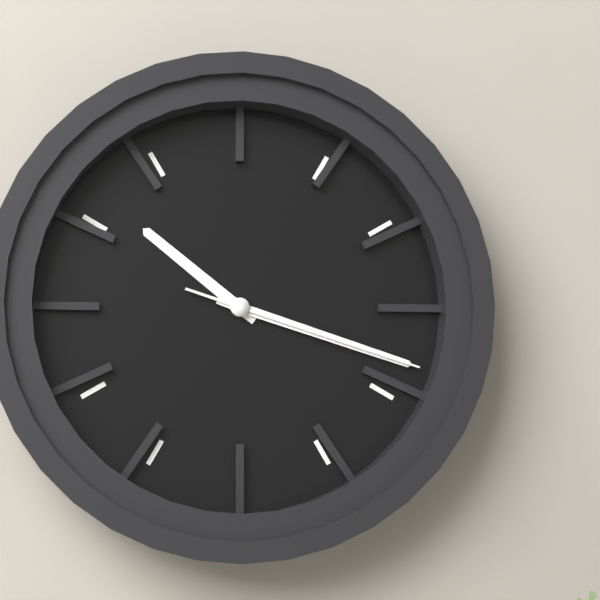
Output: 10.18.18
